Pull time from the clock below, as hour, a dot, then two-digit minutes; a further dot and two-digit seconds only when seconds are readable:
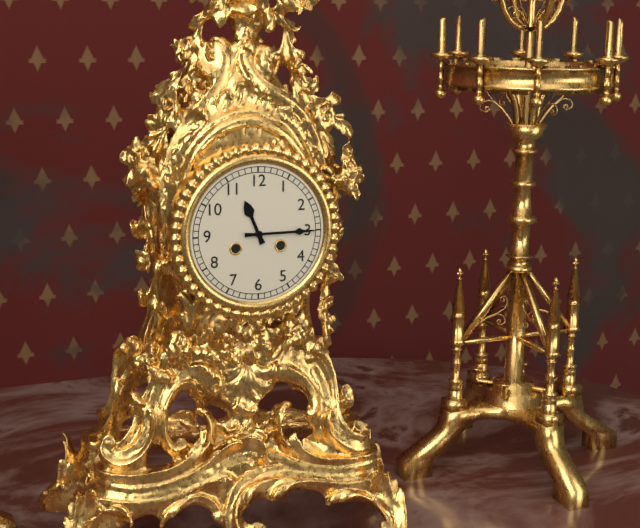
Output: 11.15
